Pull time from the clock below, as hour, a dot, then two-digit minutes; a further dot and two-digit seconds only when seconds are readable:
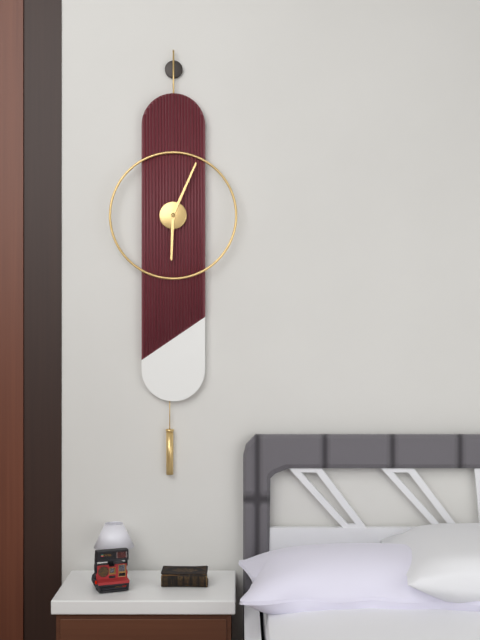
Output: 6.04
